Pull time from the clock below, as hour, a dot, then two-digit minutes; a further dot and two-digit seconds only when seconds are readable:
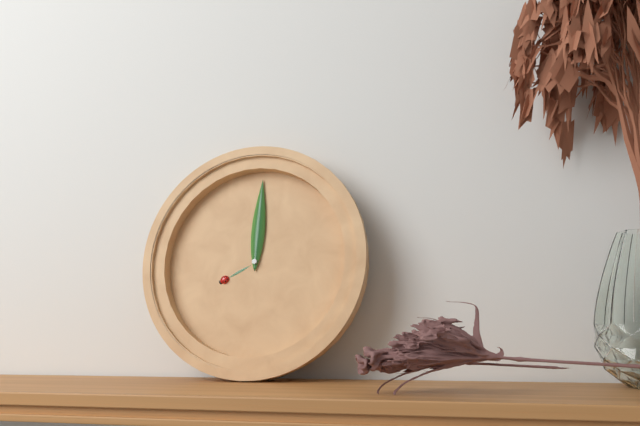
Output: 8.00
